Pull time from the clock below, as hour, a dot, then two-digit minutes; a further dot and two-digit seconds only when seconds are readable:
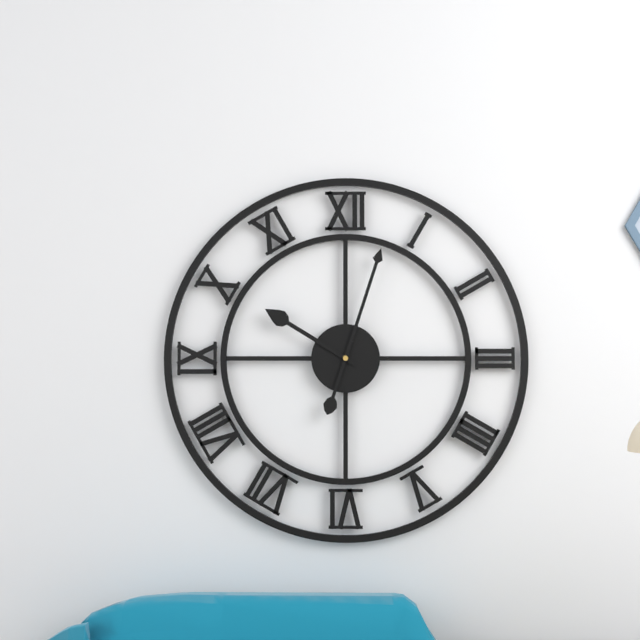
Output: 10.03
